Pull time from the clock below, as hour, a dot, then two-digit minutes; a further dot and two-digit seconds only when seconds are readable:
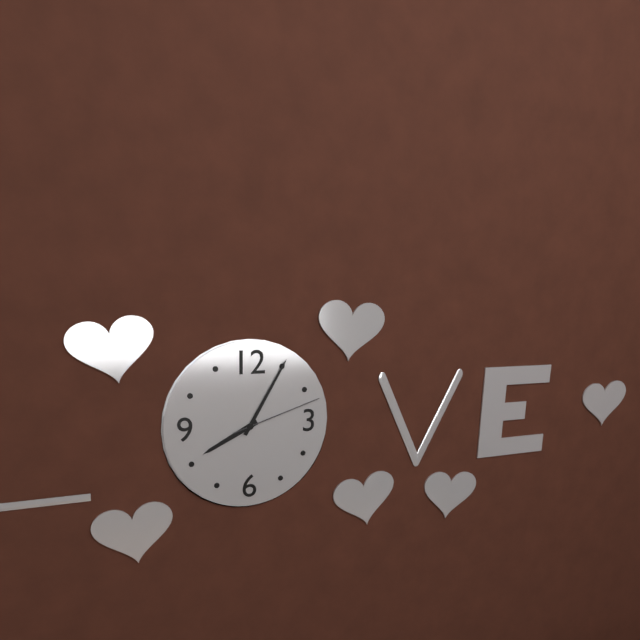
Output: 8.05.12
